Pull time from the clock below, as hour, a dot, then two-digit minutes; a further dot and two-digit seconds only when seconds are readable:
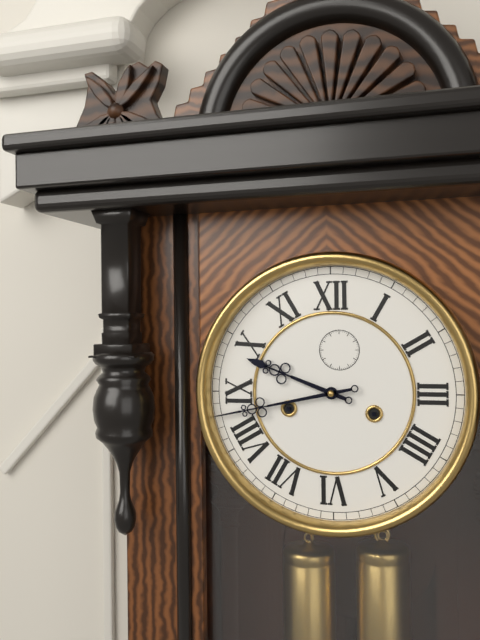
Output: 9.43
